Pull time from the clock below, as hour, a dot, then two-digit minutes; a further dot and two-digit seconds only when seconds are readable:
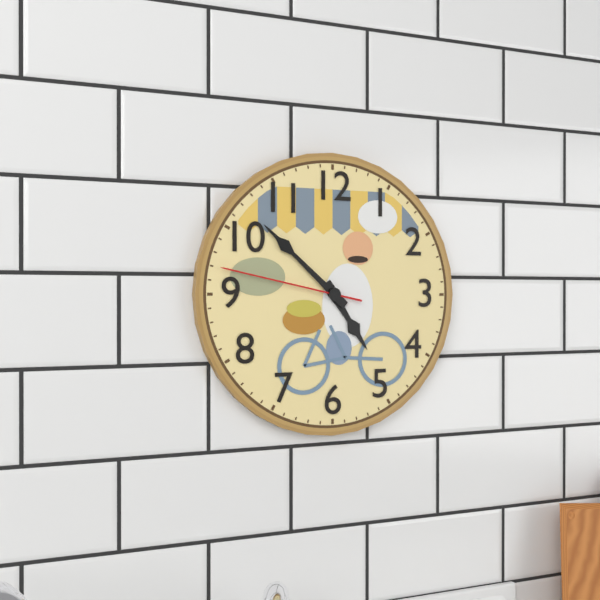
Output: 4.52.47
